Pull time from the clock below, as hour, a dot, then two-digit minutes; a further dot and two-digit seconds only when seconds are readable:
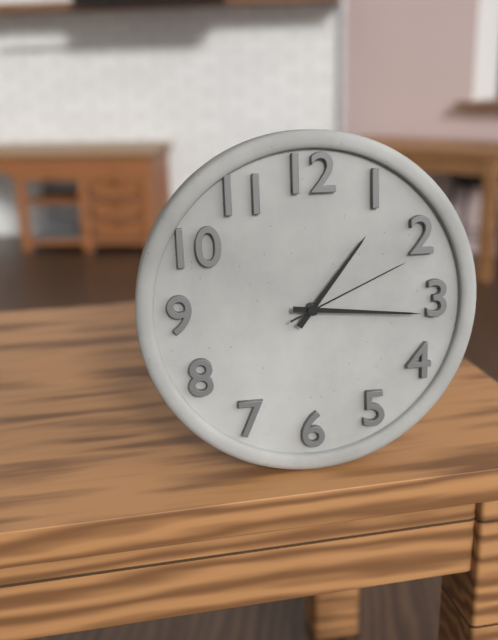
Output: 1.16.11
